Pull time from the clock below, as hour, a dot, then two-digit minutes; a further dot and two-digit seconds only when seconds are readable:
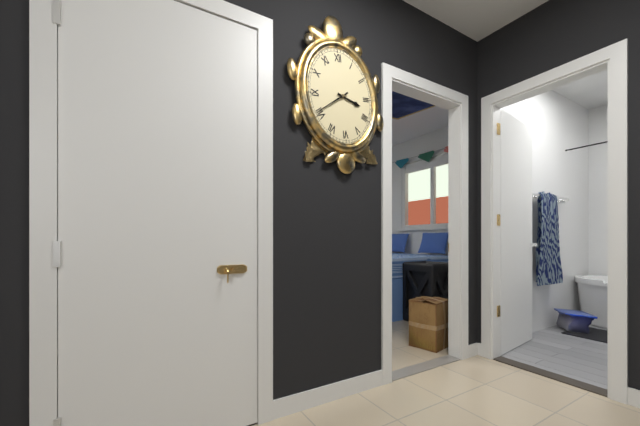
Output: 3.40
